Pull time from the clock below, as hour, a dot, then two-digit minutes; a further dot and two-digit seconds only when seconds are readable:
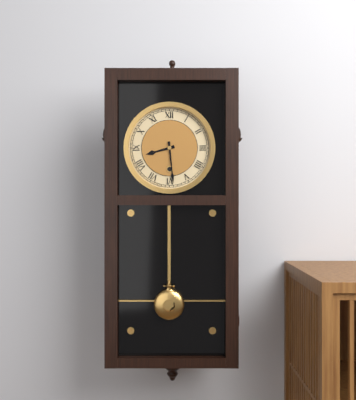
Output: 8.29
